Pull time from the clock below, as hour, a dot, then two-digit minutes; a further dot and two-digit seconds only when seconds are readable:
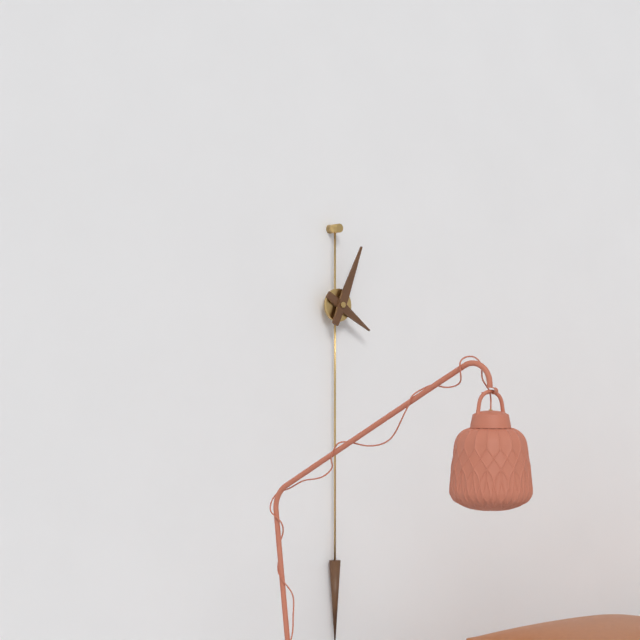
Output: 4.04
